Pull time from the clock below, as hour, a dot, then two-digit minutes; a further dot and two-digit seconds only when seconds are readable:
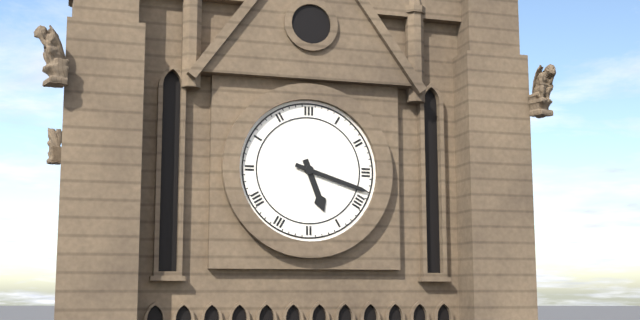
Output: 5.18
